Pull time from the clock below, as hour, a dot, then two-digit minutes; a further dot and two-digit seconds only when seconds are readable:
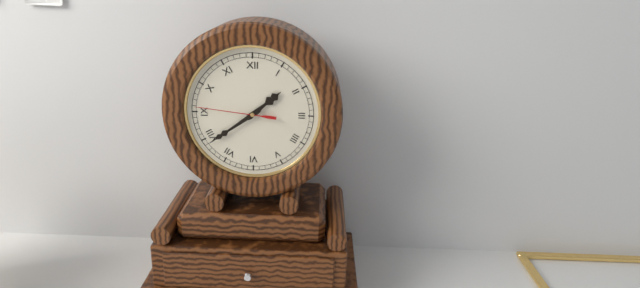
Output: 1.39.46
